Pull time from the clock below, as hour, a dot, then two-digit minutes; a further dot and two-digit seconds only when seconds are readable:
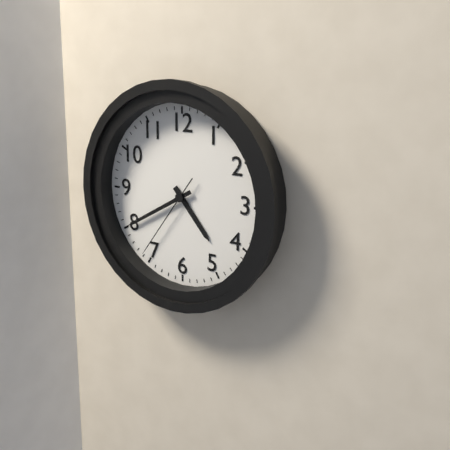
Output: 4.40.36
